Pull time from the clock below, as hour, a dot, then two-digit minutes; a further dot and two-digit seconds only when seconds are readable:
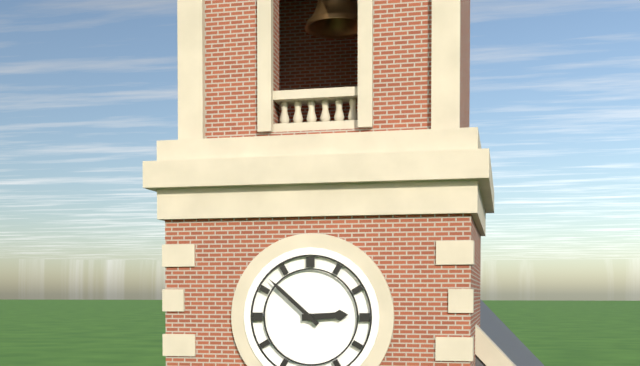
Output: 2.52
